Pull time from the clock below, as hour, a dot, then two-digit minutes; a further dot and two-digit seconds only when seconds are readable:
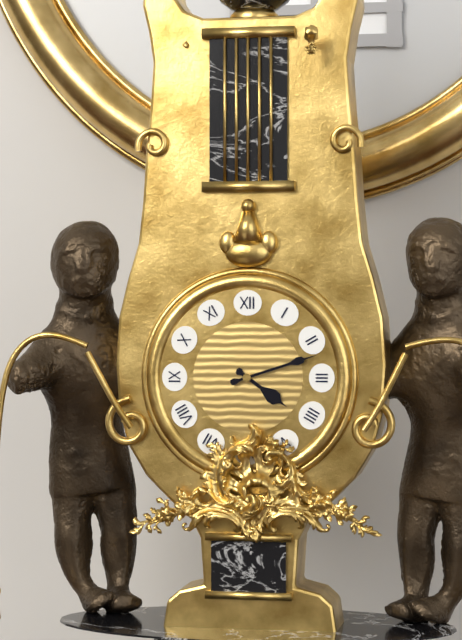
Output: 4.12
